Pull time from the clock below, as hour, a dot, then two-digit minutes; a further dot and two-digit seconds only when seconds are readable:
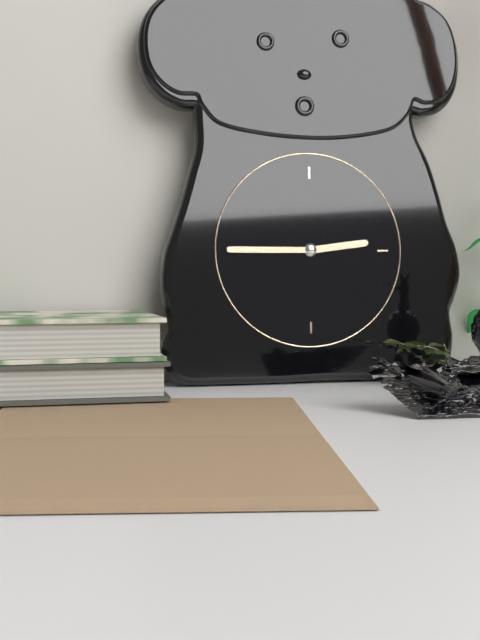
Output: 2.45
